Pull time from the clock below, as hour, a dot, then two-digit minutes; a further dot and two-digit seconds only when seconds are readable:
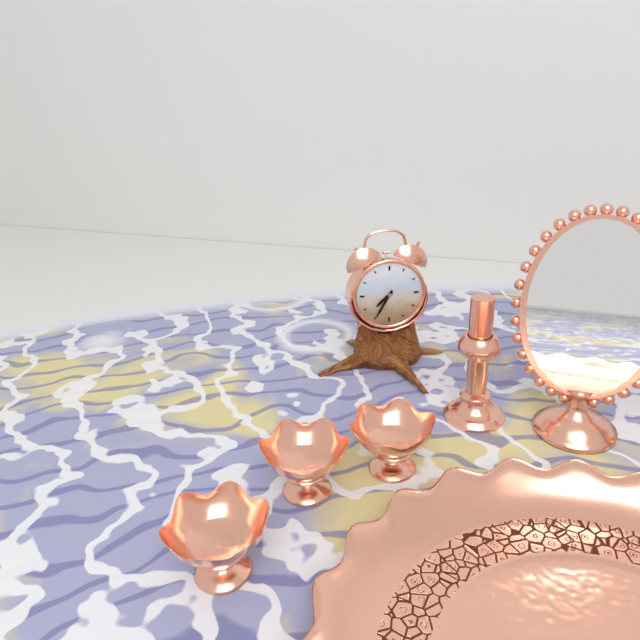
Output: 7.35
